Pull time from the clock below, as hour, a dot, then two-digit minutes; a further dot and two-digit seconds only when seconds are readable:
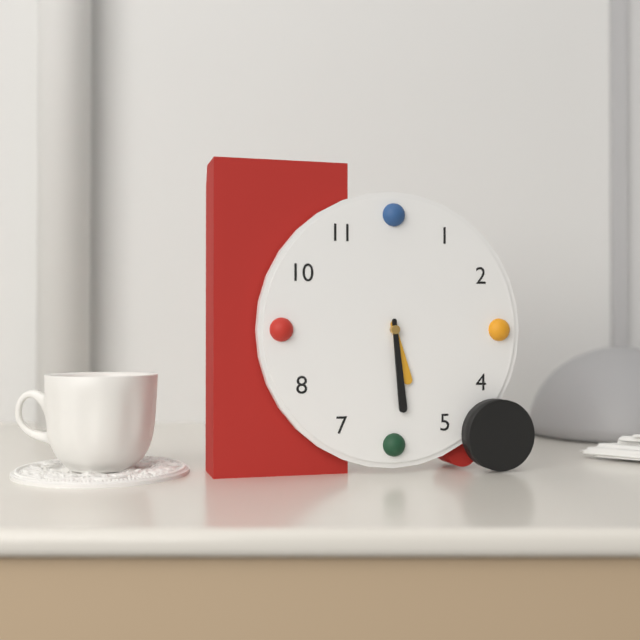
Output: 5.29
